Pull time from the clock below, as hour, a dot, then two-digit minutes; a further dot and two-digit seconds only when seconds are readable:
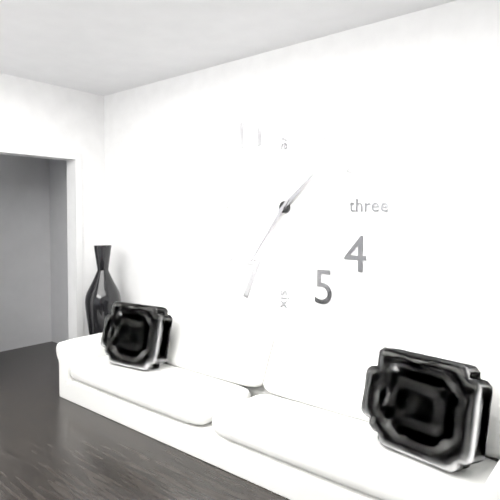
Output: 1.36
